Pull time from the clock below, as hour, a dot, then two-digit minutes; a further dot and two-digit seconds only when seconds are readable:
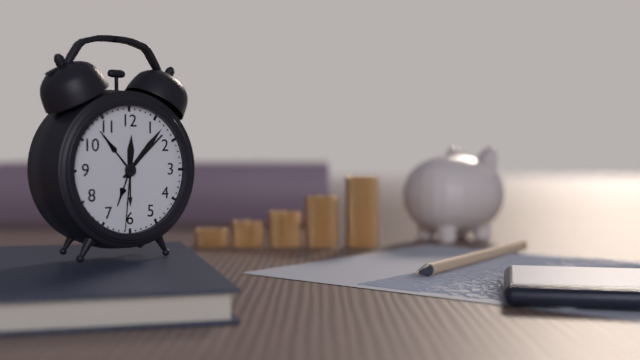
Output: 12.07.31
